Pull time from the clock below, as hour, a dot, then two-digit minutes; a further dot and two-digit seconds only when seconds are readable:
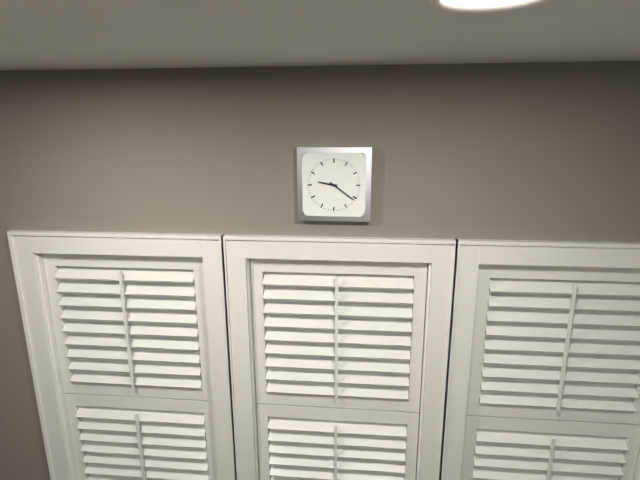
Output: 9.21
